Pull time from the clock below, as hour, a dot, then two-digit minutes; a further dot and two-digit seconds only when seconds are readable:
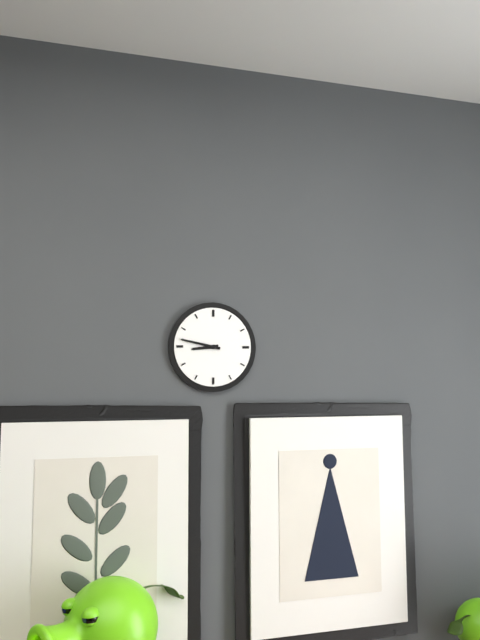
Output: 8.47
